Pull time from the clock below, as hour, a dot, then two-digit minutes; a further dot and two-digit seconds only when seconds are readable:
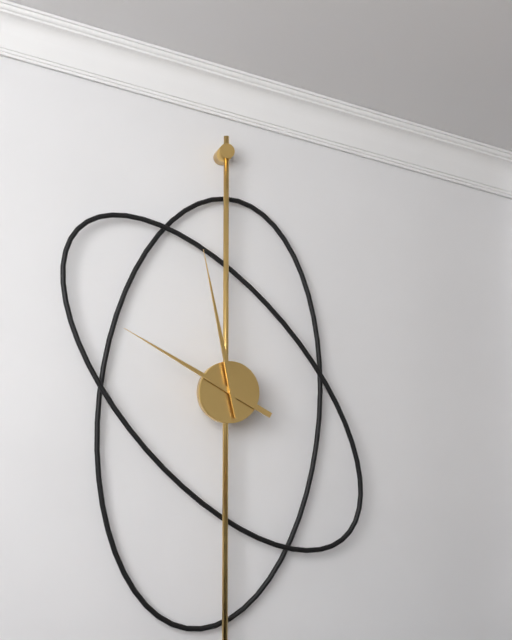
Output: 9.58
